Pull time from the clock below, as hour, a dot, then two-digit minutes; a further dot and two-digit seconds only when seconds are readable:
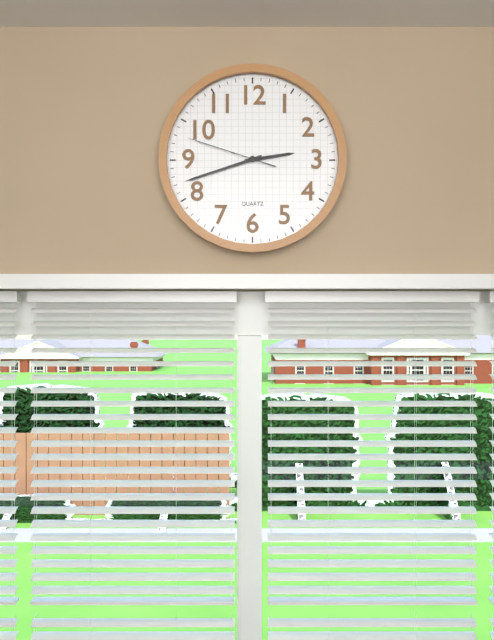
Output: 2.42.48
